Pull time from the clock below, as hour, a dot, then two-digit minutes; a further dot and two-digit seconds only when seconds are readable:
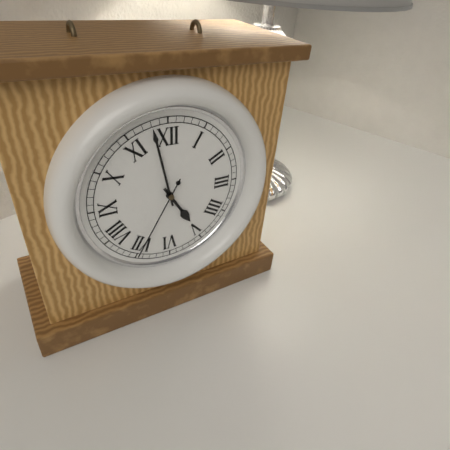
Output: 4.58.35
